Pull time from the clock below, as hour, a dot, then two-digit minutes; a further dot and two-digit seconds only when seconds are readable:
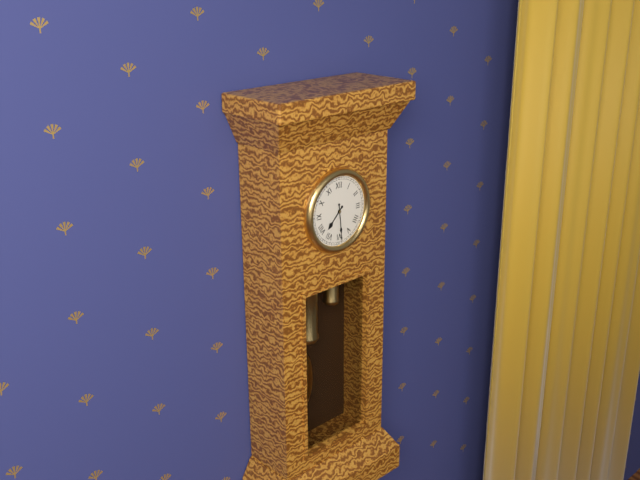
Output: 7.29
